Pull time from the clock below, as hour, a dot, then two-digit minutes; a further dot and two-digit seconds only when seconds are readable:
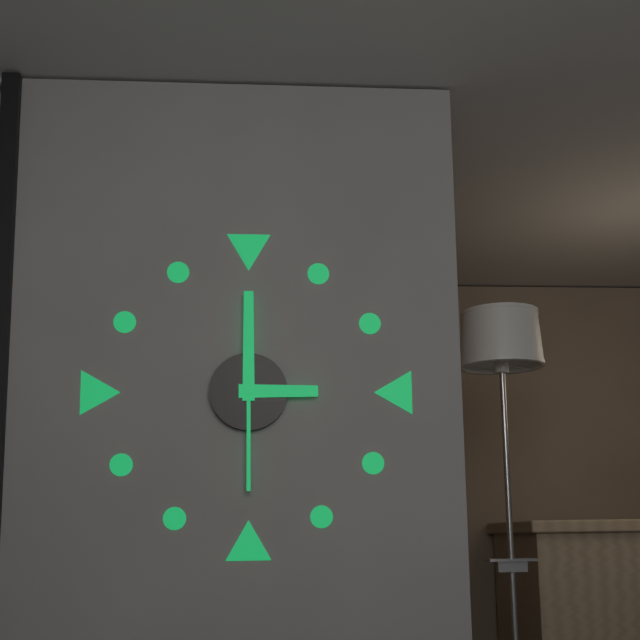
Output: 3.00.30
